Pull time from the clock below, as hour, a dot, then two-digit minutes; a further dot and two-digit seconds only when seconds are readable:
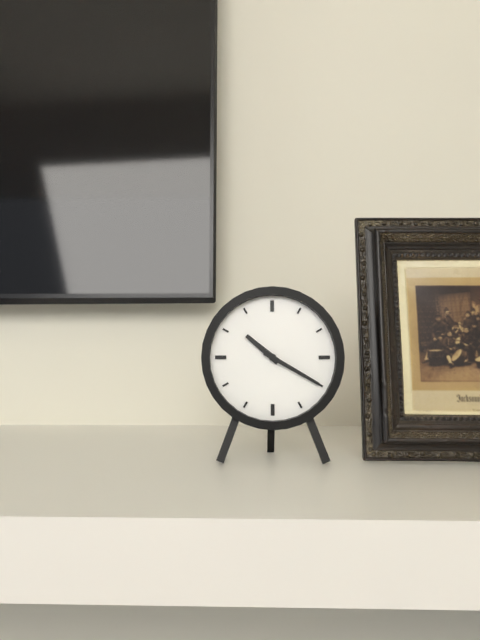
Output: 10.20
